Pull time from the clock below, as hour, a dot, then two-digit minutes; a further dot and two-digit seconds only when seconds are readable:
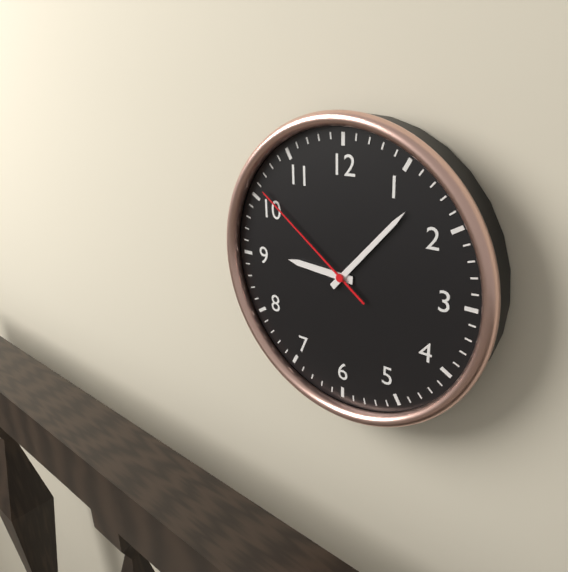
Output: 9.07.51
